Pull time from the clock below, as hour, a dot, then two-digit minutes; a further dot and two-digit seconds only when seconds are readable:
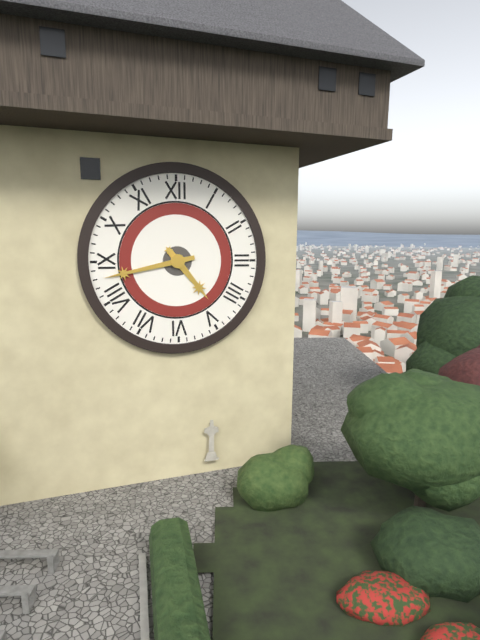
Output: 4.43
